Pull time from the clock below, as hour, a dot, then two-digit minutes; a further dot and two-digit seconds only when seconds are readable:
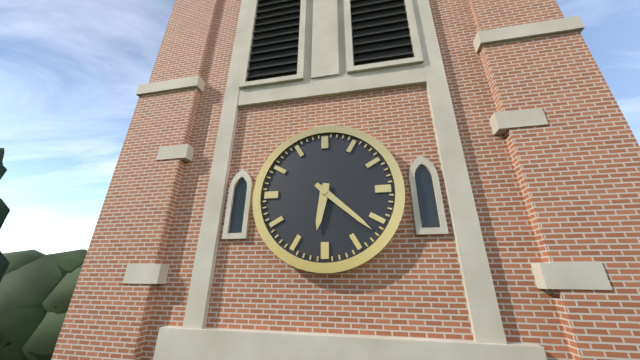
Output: 6.22
